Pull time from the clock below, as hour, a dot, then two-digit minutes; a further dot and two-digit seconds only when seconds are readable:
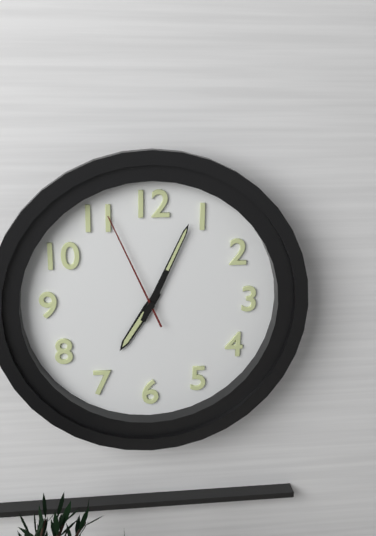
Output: 7.04.56
